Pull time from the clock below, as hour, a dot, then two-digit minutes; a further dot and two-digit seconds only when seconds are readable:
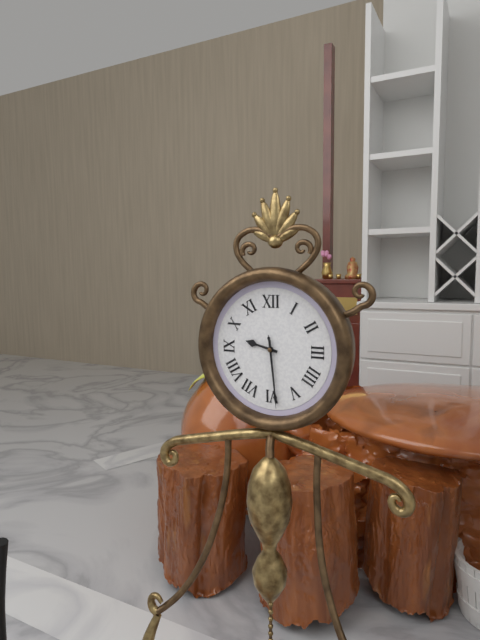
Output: 9.29.29
